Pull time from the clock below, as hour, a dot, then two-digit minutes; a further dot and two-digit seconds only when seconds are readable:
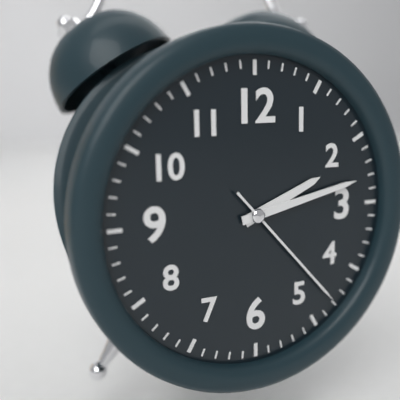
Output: 2.13.23
